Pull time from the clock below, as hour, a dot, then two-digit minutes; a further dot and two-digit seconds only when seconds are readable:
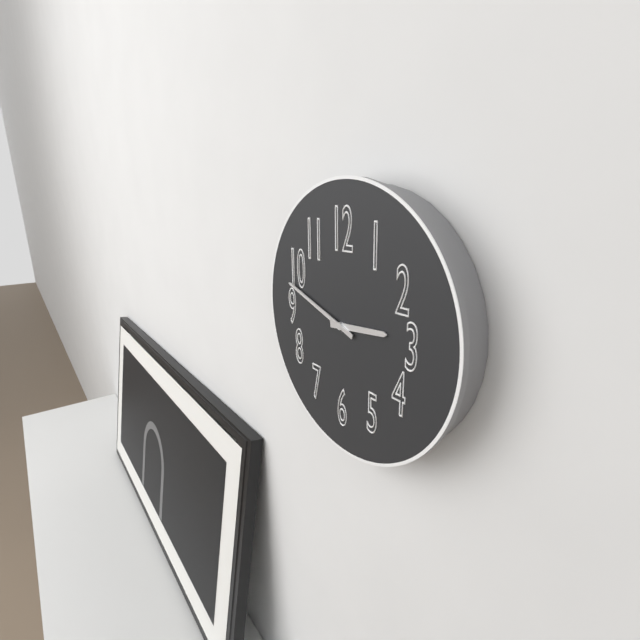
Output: 2.48
